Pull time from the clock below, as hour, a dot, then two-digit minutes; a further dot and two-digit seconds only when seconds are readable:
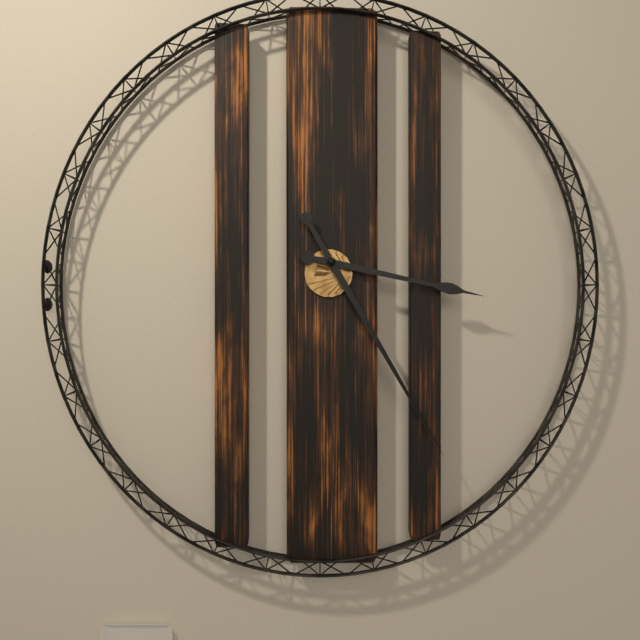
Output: 3.25
